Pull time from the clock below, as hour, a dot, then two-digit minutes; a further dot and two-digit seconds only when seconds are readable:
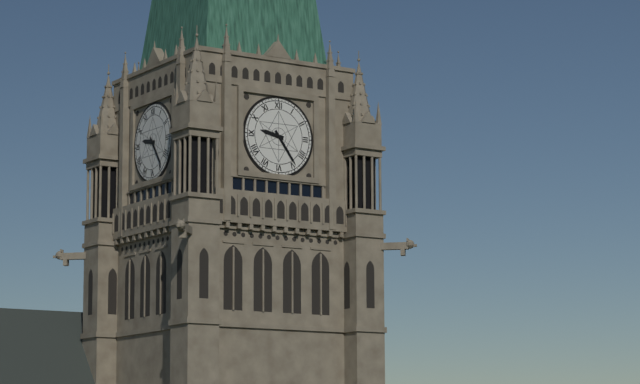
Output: 9.24
